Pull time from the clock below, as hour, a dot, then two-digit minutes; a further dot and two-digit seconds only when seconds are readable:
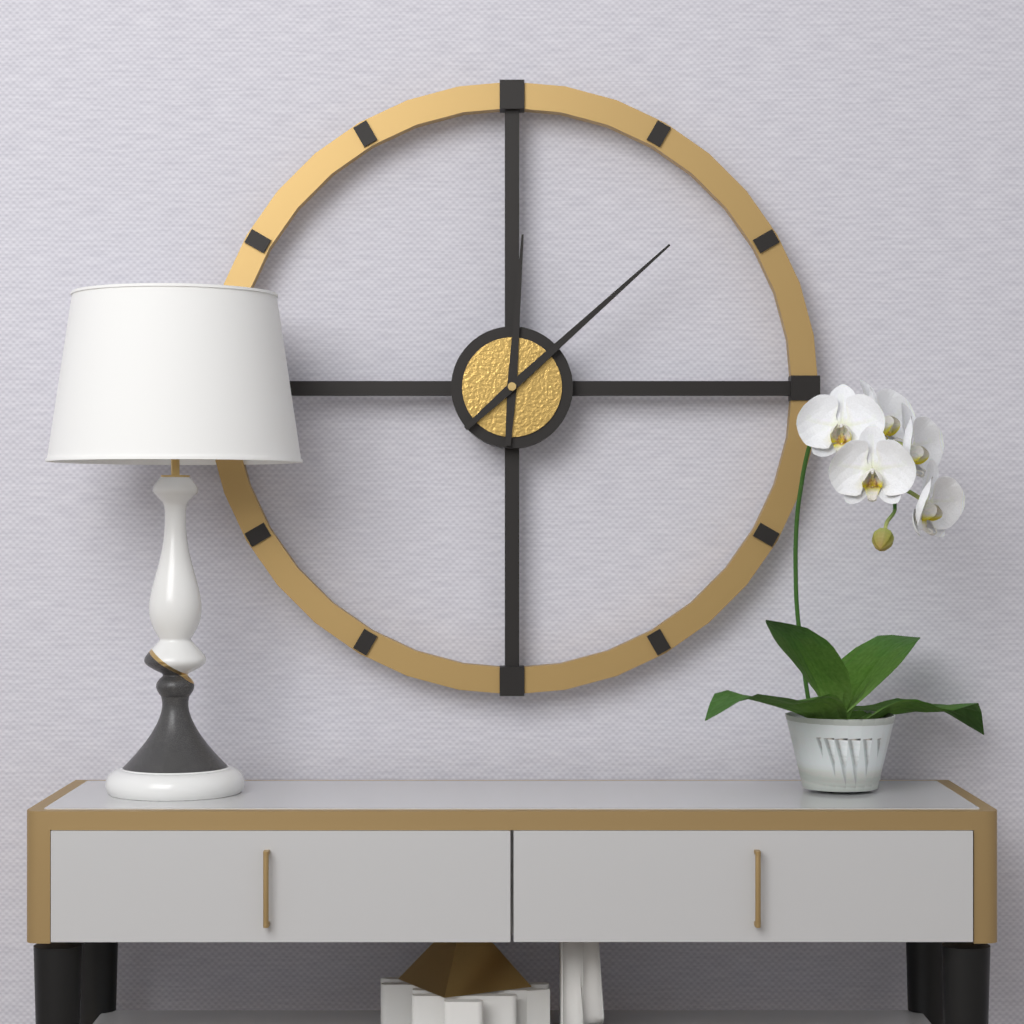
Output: 12.08
